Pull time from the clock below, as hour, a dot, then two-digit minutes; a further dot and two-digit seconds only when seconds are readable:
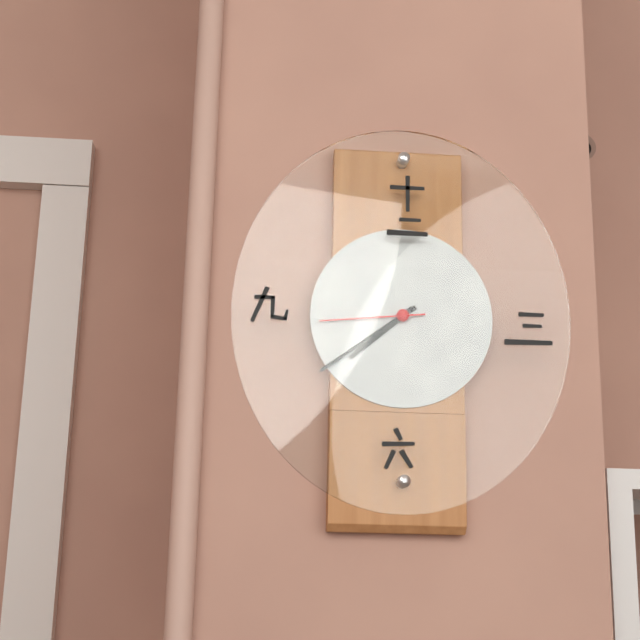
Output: 7.39.44
